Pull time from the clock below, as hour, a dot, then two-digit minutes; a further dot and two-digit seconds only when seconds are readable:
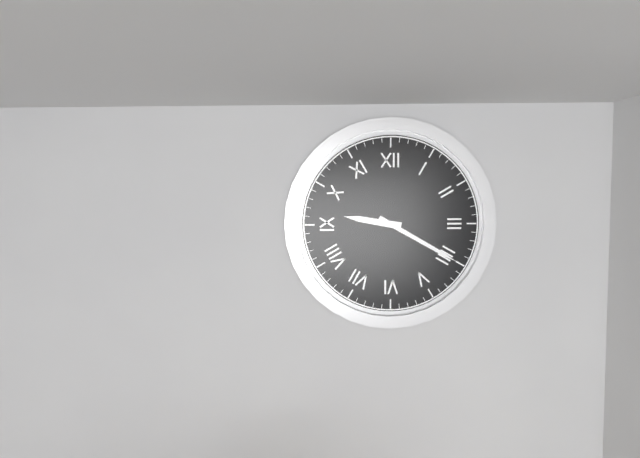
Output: 9.20
